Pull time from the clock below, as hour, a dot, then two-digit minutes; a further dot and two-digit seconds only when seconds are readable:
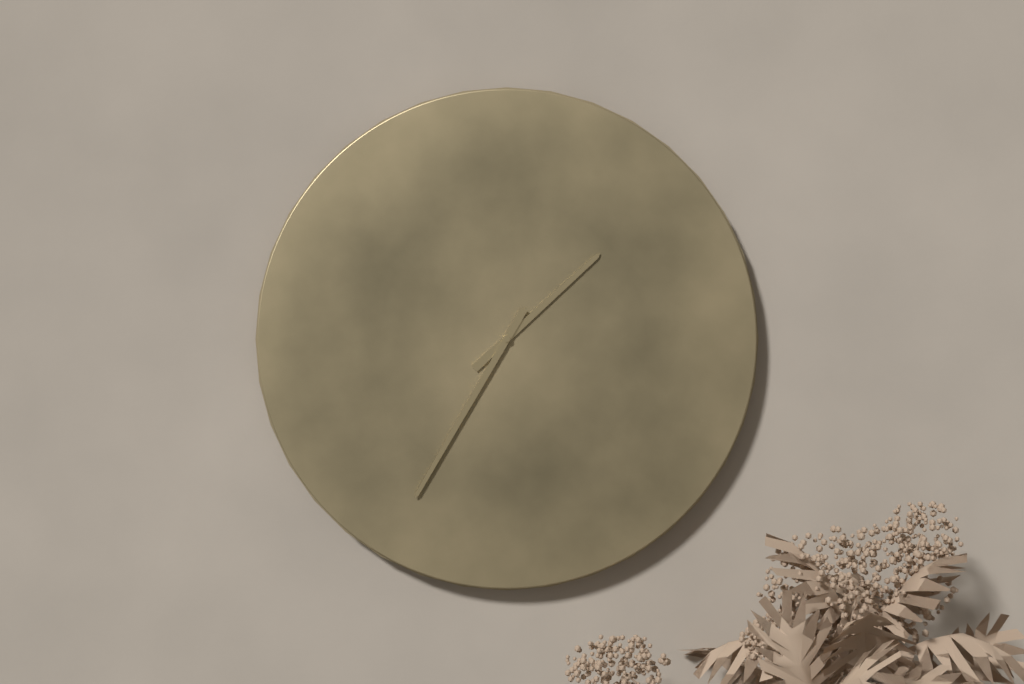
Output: 1.35
